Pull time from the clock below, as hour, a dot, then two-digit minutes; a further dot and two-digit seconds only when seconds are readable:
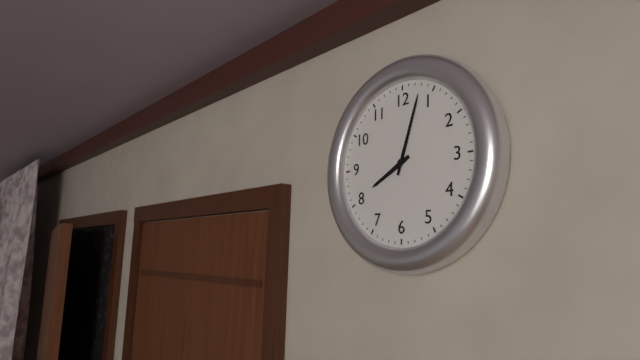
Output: 8.03
